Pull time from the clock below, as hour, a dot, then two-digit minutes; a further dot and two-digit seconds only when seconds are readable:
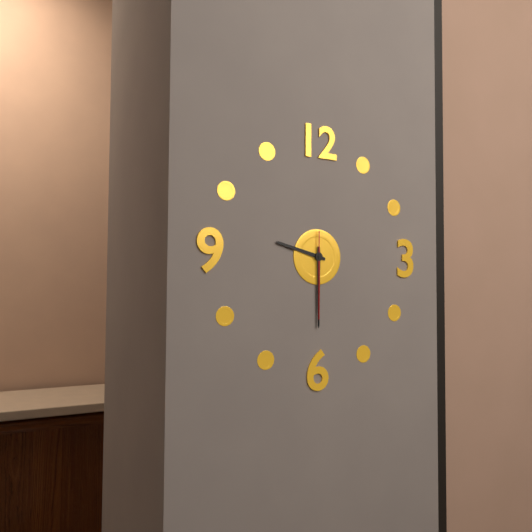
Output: 9.30.30
